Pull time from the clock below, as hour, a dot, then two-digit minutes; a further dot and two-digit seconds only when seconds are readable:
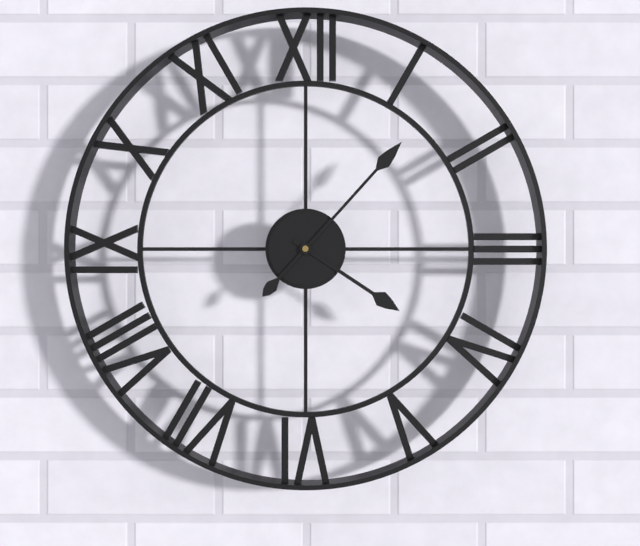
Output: 4.07
